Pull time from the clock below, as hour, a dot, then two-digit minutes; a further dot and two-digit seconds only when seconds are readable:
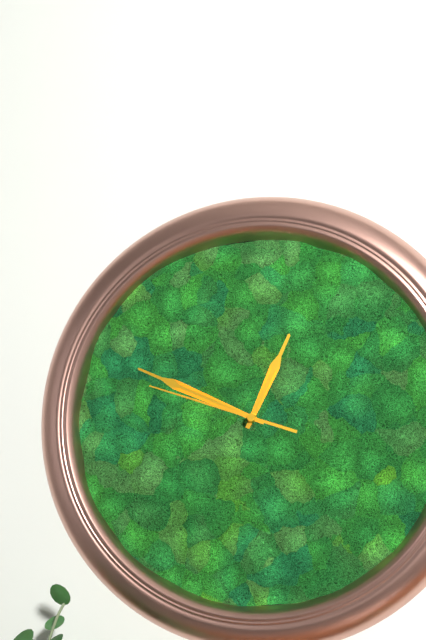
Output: 12.49.48
